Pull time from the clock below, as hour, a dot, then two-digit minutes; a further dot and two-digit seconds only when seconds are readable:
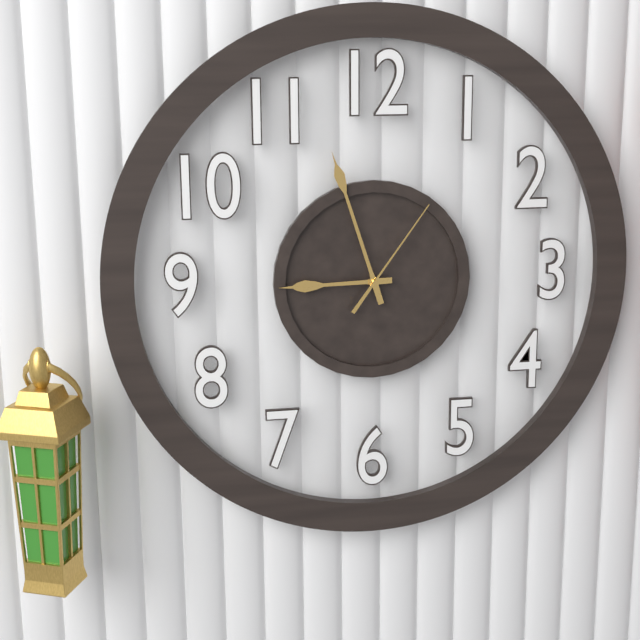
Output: 8.57.06
